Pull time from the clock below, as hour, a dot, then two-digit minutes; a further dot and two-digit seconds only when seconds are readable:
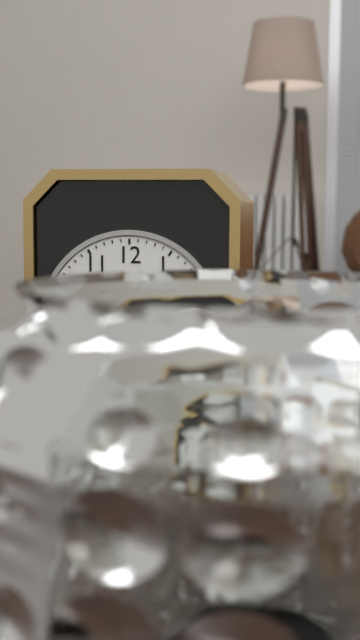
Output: 5.33
